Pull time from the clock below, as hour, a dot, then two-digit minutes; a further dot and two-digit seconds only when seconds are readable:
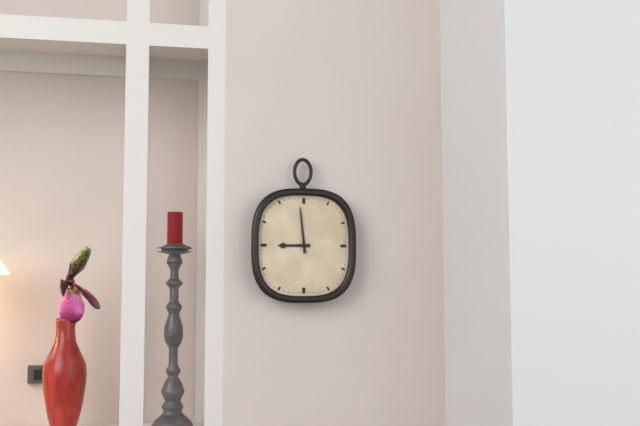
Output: 8.59
